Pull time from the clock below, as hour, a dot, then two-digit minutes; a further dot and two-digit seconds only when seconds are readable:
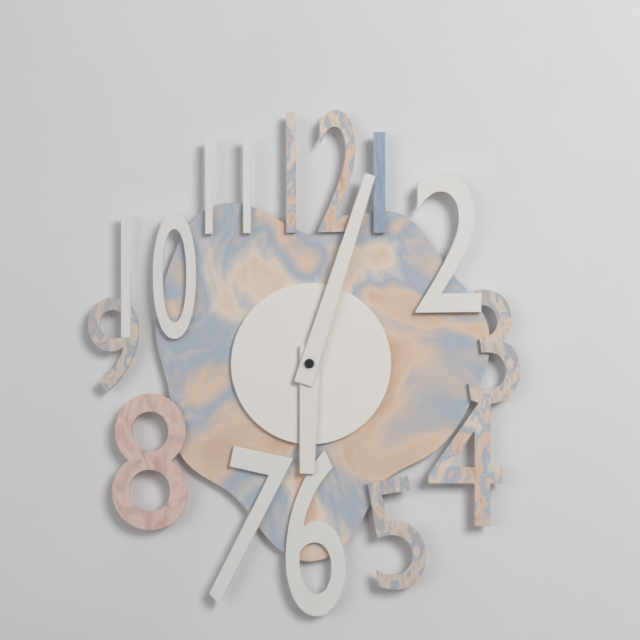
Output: 6.03
